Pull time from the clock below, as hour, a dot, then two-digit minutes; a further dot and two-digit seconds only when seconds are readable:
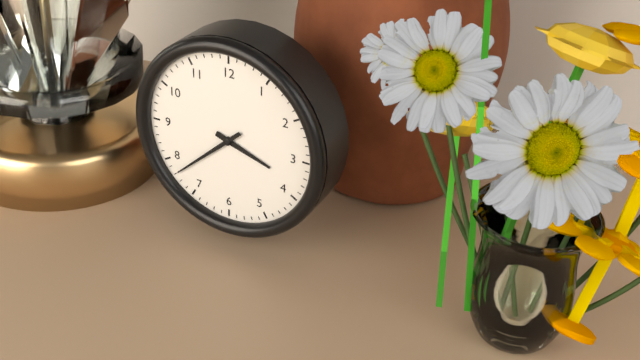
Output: 3.38
